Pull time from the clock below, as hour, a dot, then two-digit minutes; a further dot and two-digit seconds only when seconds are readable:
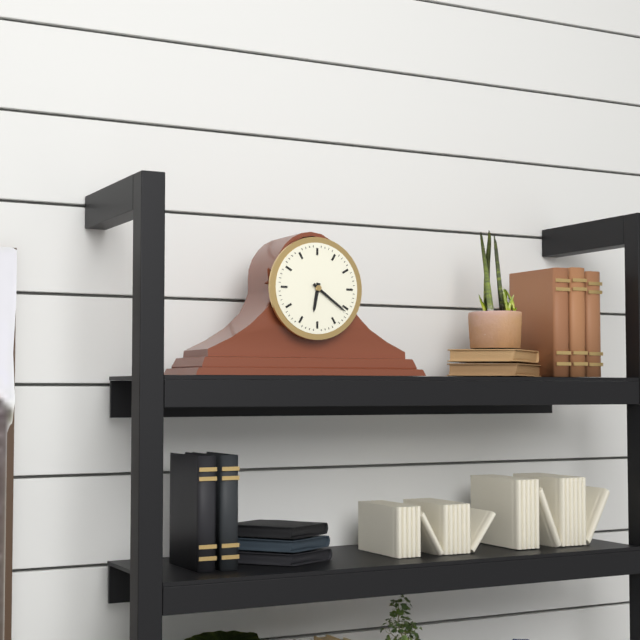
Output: 6.21
